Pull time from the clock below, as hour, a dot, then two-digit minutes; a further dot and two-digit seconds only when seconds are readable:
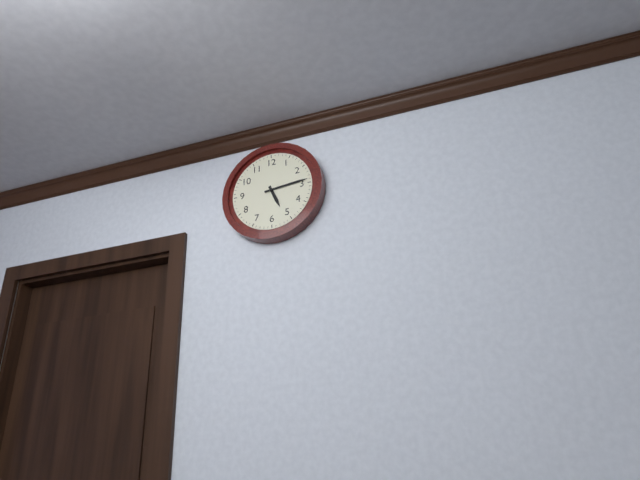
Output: 5.14
